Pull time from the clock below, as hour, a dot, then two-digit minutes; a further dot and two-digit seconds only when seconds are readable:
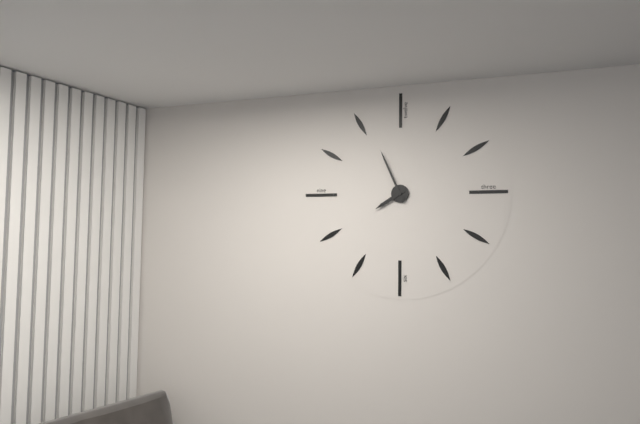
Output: 7.56
